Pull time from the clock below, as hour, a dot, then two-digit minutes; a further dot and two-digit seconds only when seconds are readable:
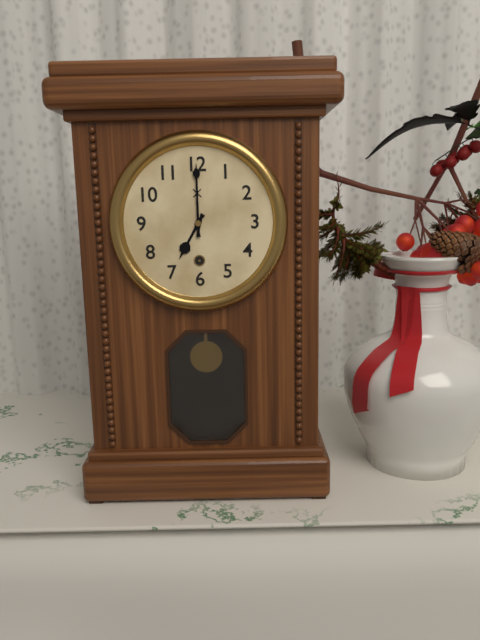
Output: 7.00
